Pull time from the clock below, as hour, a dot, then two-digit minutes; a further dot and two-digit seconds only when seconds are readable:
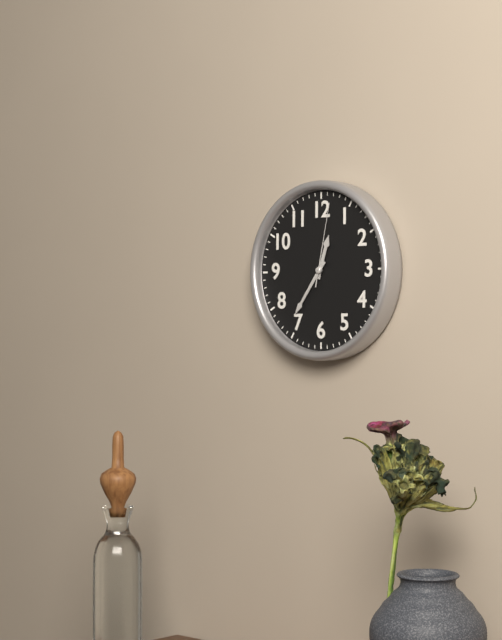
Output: 12.36.02
